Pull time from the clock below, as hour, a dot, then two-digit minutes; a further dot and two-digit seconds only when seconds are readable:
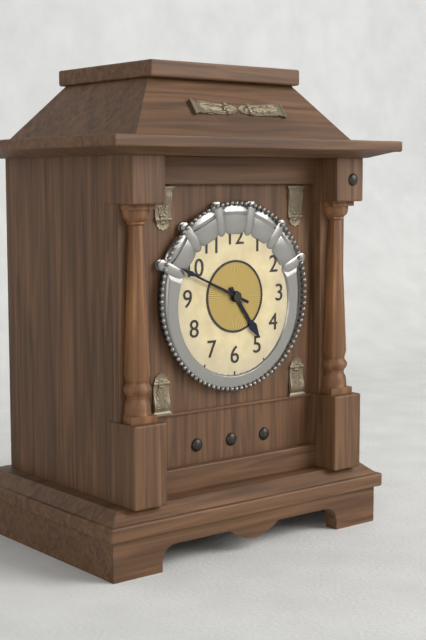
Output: 4.49
